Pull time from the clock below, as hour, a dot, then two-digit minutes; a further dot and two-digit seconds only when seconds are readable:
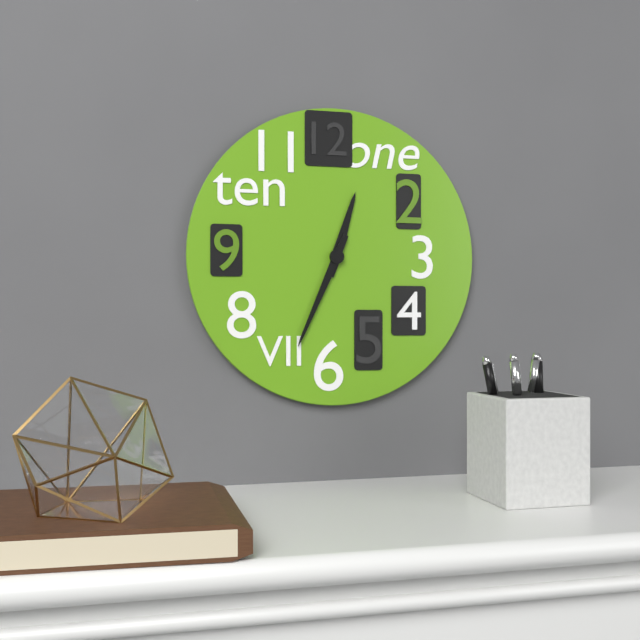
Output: 12.34
